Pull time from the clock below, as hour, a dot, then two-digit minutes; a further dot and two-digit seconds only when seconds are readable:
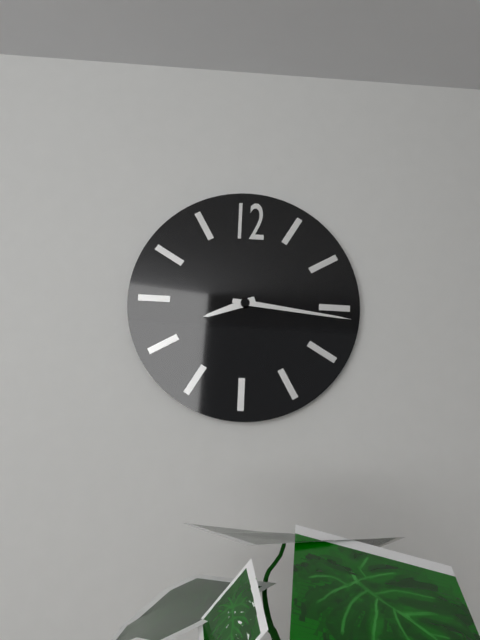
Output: 8.16
